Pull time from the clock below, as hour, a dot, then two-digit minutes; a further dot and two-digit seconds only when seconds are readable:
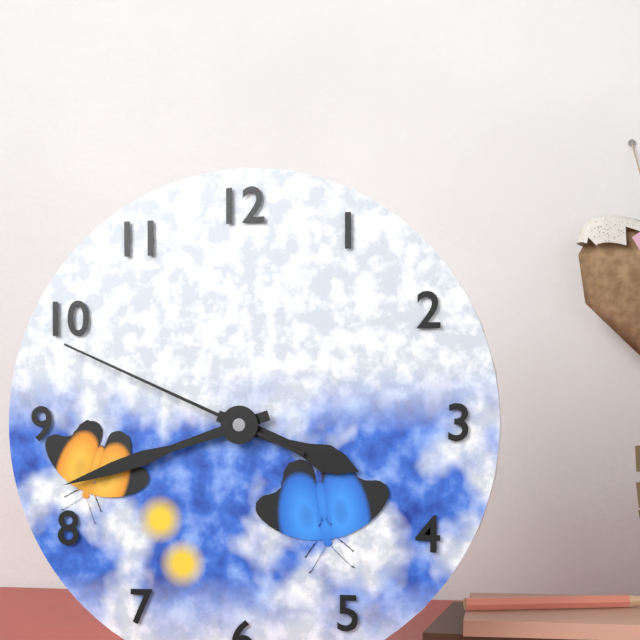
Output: 3.42.49
